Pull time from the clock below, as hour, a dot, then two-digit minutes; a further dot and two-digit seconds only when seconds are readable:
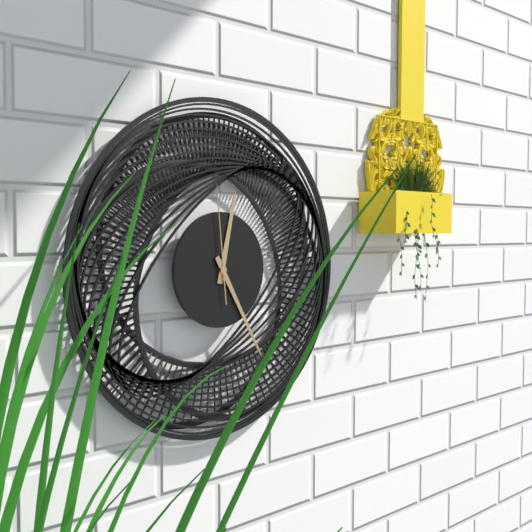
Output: 12.25.59
